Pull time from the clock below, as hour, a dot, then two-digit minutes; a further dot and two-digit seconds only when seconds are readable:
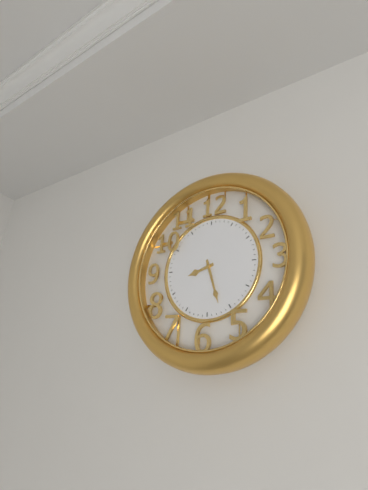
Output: 8.27
